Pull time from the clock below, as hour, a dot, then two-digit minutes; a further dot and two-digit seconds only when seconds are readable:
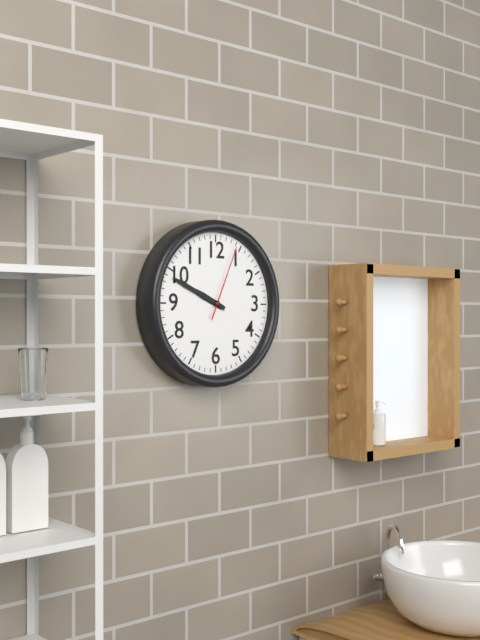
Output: 9.49.04
